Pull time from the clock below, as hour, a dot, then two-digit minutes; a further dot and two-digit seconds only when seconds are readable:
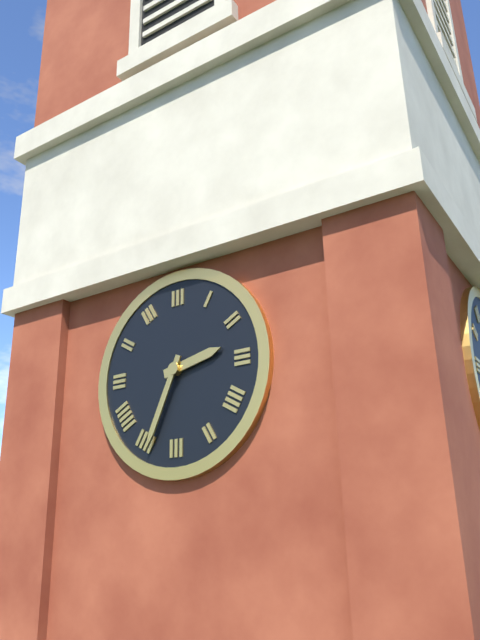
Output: 2.34
